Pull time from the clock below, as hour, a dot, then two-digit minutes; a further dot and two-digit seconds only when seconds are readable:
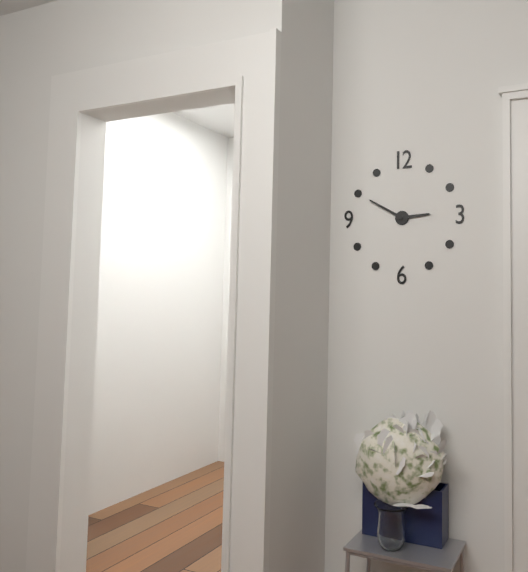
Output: 2.50
